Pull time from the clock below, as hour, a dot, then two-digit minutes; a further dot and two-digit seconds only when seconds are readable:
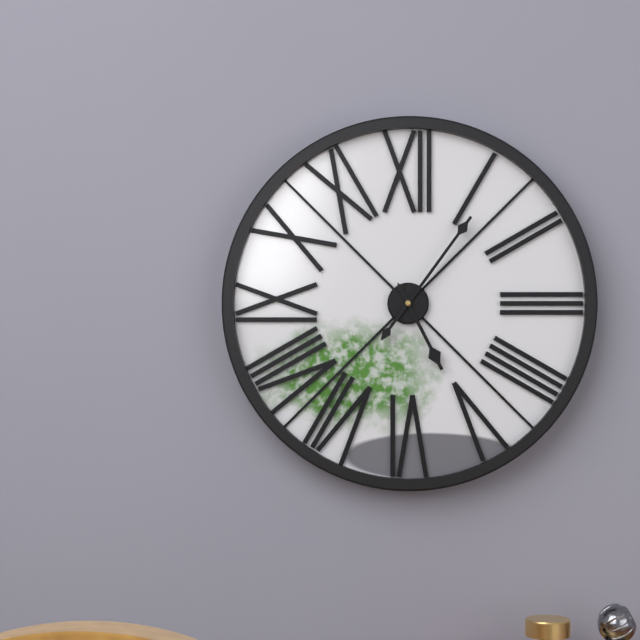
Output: 5.06
